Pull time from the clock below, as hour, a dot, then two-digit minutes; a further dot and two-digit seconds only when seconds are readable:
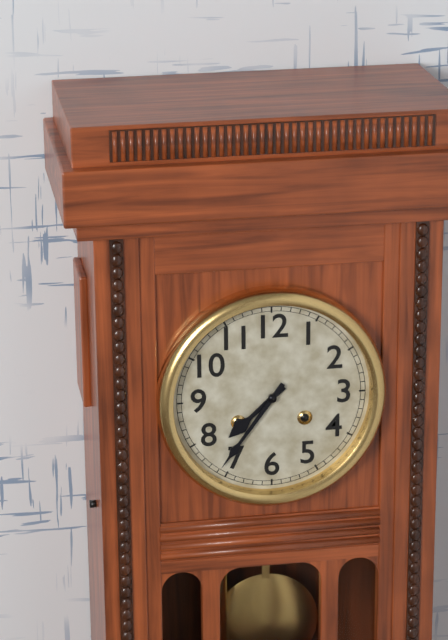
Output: 7.36
